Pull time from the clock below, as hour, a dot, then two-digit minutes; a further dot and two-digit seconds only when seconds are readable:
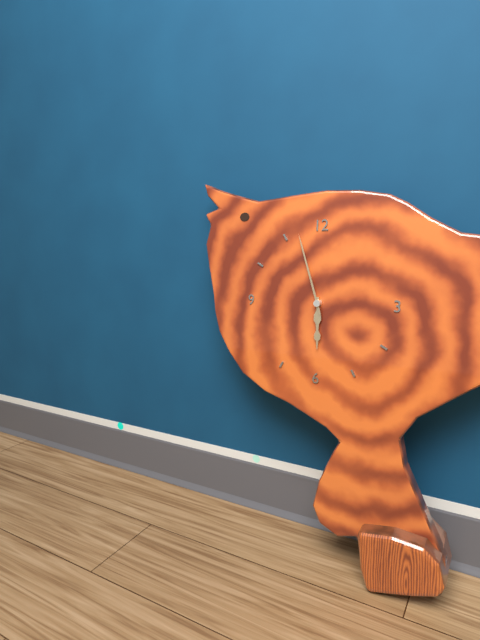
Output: 5.57
